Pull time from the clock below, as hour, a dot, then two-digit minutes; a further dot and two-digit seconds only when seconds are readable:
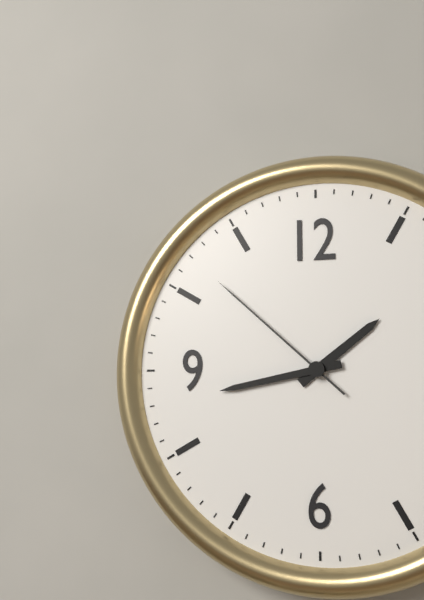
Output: 1.43.52
